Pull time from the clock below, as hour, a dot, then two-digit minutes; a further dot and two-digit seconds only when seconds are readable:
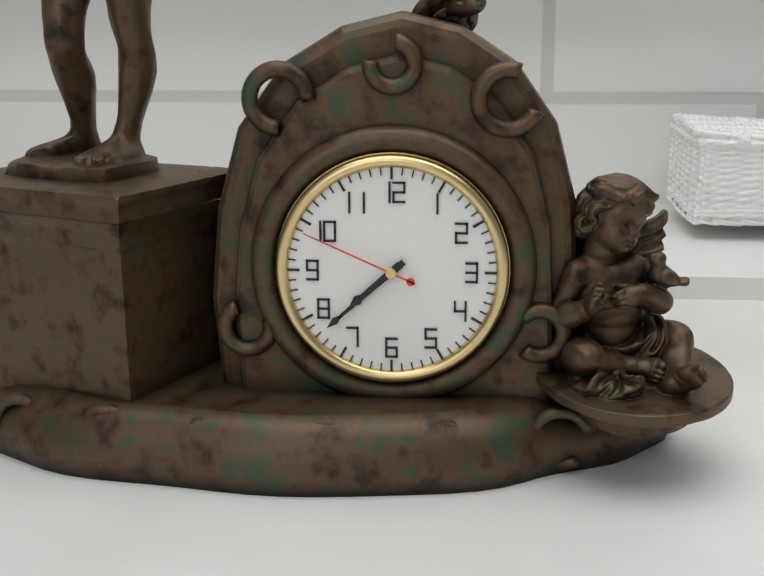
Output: 7.38.49
